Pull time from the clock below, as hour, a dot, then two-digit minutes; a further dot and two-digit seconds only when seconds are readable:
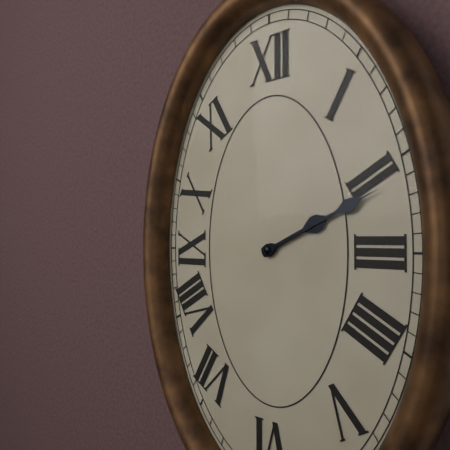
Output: 2.11
